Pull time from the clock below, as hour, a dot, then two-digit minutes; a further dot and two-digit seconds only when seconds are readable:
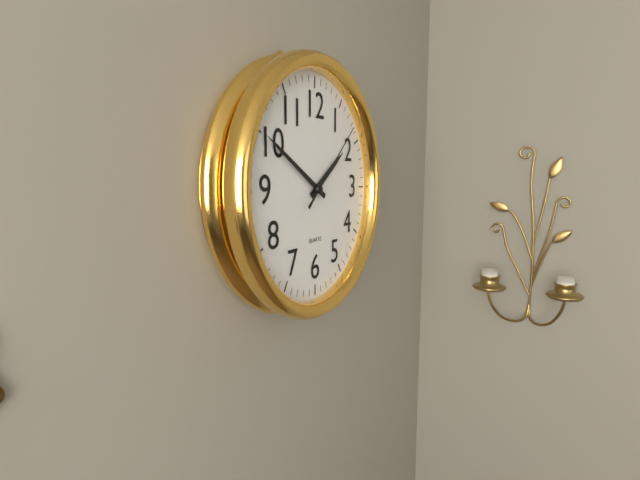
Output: 1.50.08
